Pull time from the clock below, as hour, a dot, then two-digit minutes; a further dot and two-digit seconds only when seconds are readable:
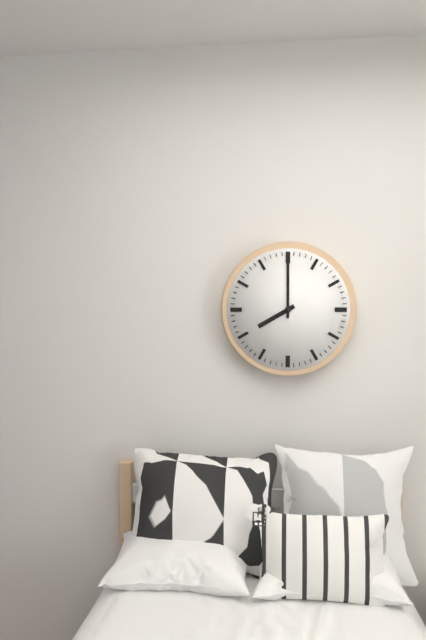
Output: 8.00
